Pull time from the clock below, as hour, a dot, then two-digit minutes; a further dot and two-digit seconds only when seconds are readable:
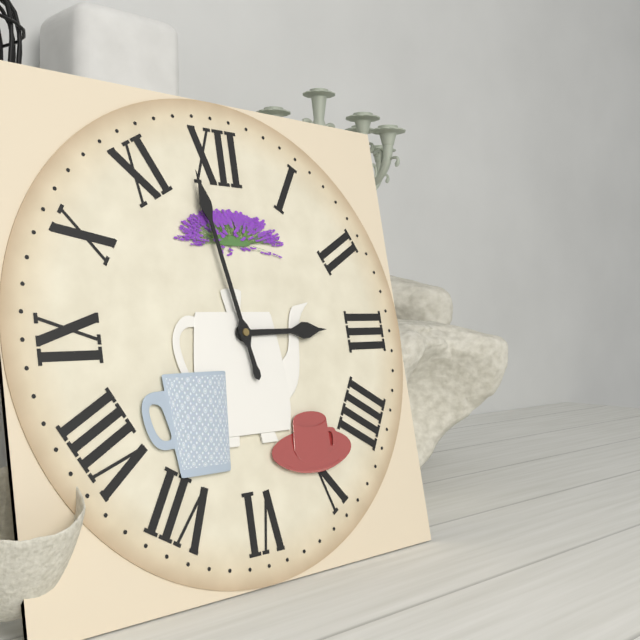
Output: 2.58
